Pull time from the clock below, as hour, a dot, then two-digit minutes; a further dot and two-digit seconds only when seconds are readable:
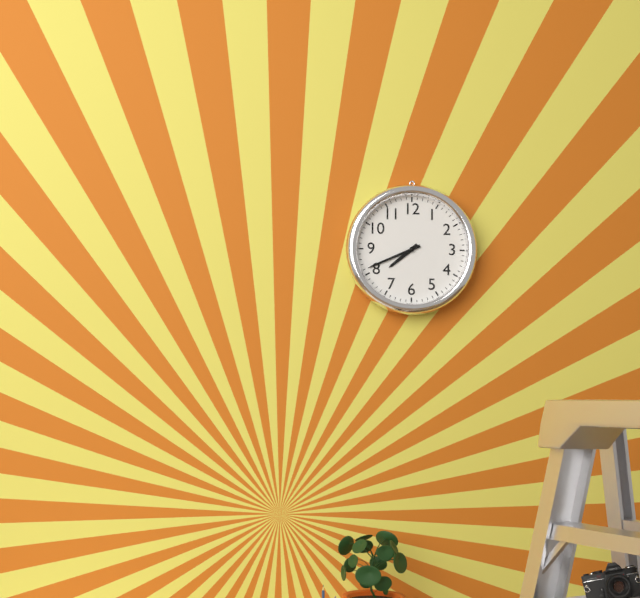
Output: 7.41
